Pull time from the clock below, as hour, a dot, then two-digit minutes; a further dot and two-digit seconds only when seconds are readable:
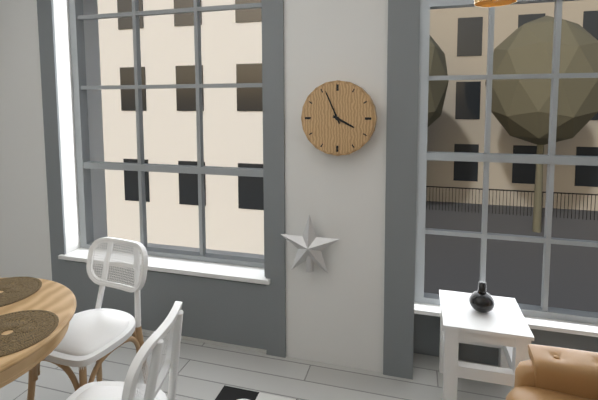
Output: 3.56
